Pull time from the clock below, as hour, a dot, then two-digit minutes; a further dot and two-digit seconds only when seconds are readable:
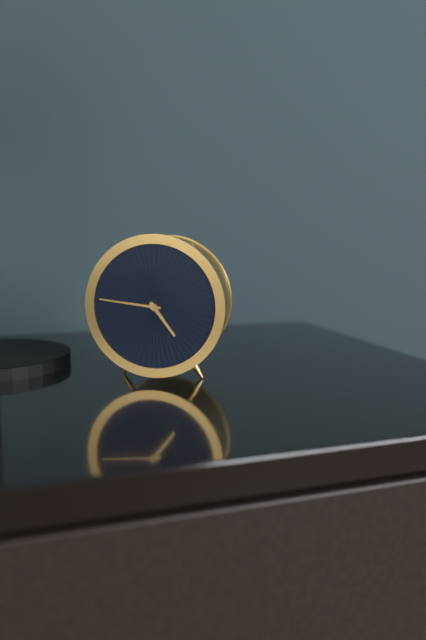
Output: 4.46
